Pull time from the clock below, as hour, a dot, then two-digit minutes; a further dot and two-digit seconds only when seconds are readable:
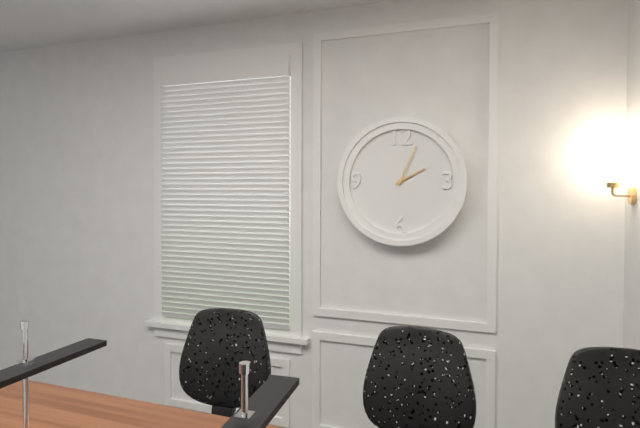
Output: 2.04
